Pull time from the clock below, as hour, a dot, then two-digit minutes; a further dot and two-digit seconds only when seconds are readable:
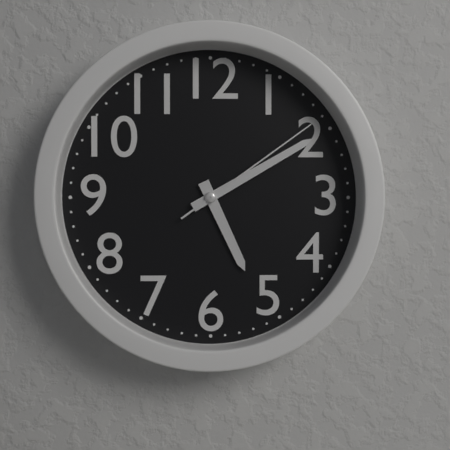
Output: 5.10.09
